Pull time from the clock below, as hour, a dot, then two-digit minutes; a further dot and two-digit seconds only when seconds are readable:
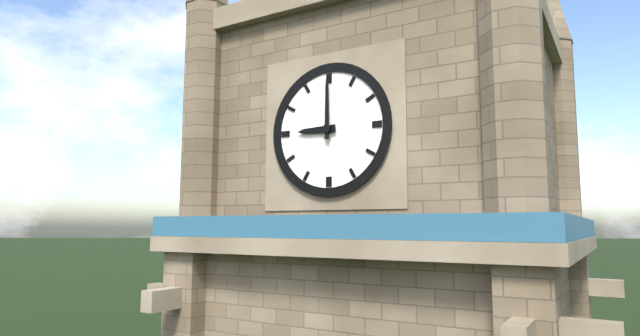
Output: 9.00
